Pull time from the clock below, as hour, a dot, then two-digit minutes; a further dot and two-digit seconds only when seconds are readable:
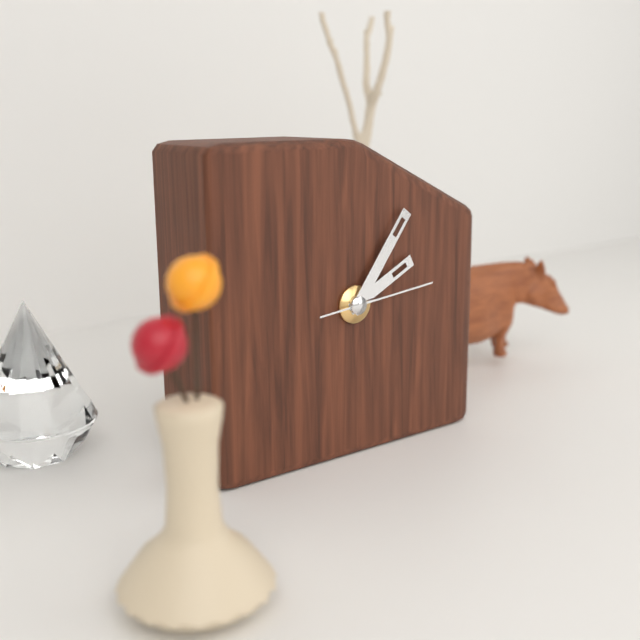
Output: 2.06.14
